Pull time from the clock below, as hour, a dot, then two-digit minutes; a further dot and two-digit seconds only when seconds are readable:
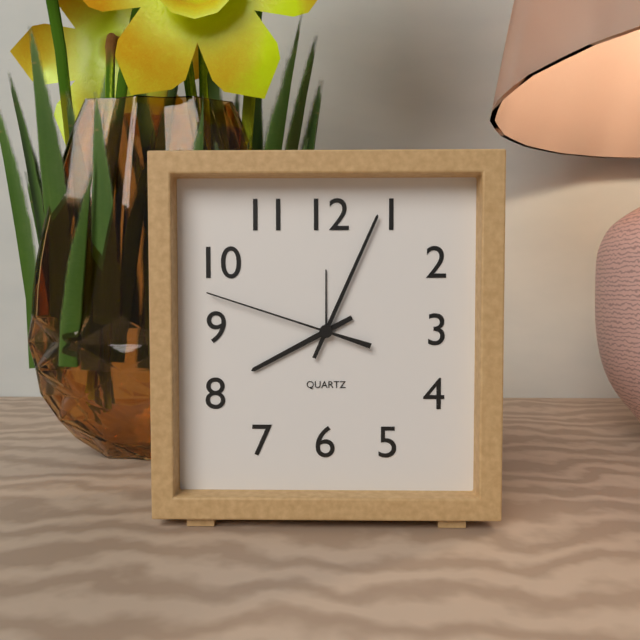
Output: 8.04.48
